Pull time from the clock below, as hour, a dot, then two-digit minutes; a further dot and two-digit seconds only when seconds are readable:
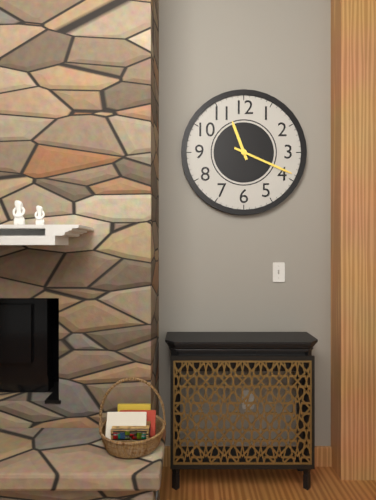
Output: 11.19
